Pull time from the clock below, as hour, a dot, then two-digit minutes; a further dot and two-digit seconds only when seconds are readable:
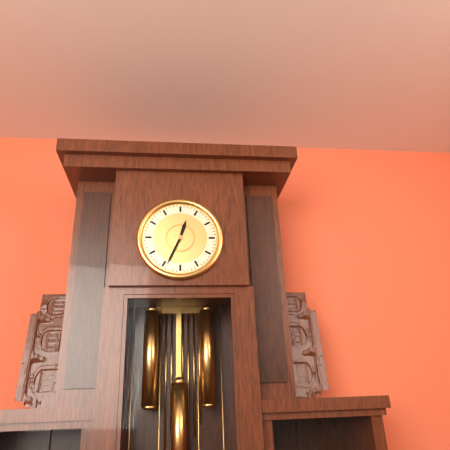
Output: 12.34
